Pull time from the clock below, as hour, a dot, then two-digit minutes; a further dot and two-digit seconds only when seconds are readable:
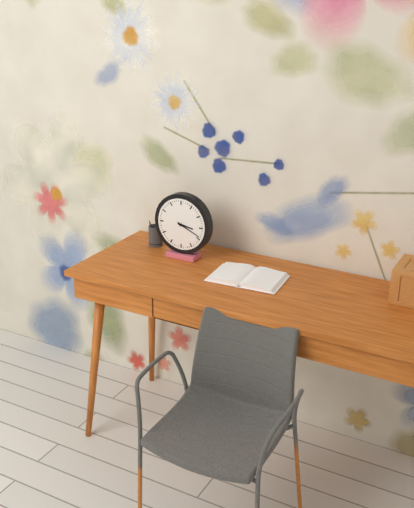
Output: 3.19
